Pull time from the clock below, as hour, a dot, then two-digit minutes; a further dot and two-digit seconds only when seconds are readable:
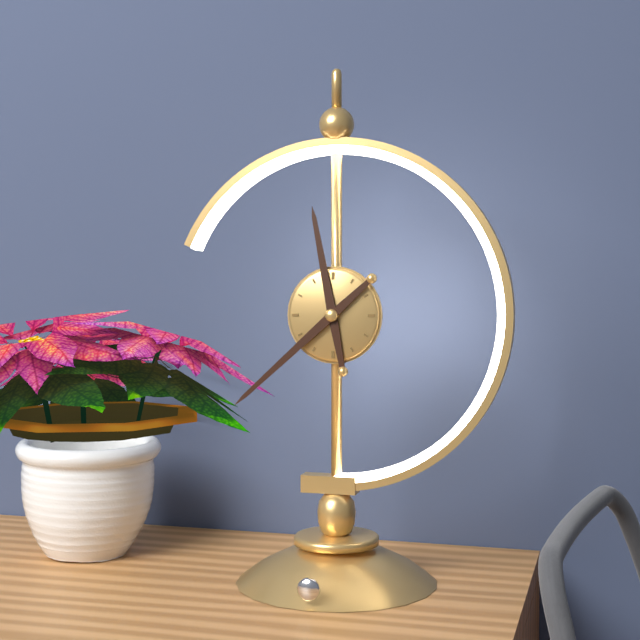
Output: 11.38
